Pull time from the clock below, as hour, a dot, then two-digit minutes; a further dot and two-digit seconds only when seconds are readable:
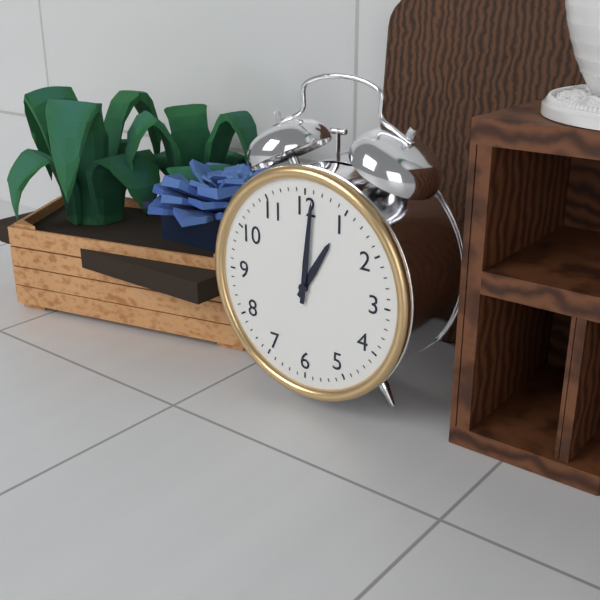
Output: 1.01
